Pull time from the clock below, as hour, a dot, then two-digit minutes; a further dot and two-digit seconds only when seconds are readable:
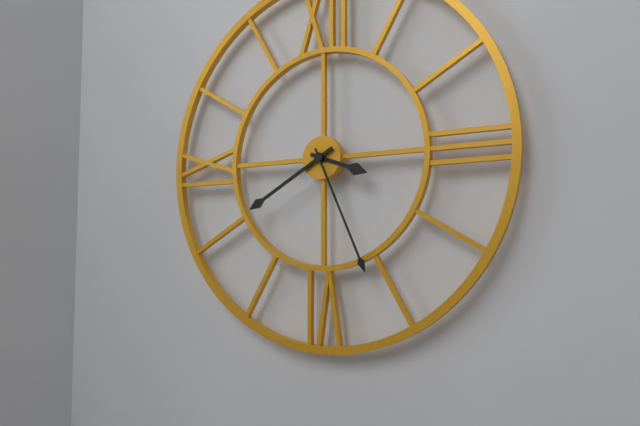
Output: 3.40.26
